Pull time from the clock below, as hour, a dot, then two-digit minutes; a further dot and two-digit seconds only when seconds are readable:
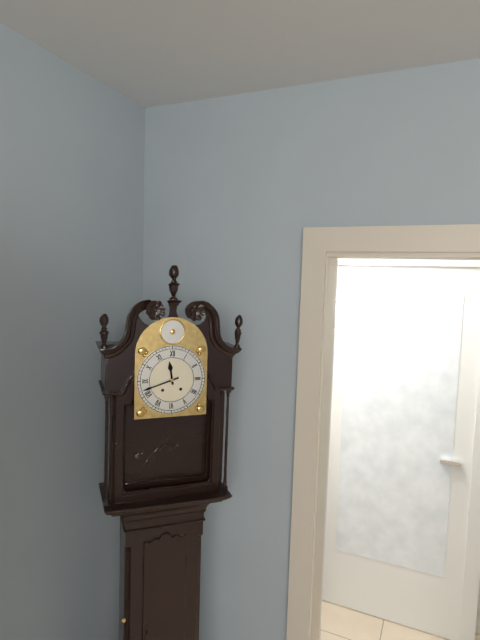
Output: 11.42
